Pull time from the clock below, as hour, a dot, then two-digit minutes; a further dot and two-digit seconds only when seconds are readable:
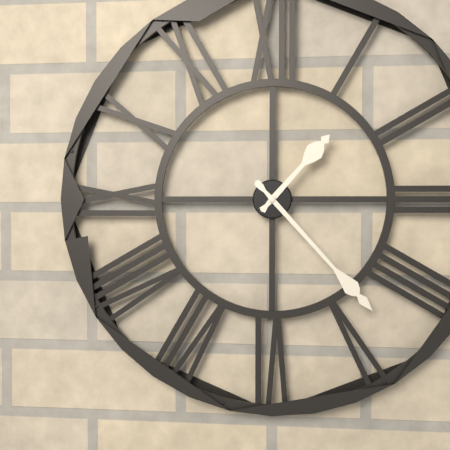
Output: 1.23
